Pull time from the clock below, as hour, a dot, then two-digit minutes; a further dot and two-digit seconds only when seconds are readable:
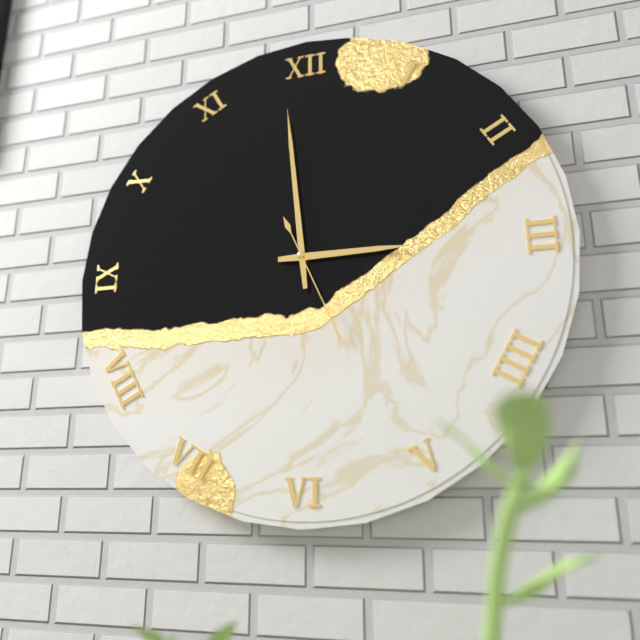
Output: 2.59.26
